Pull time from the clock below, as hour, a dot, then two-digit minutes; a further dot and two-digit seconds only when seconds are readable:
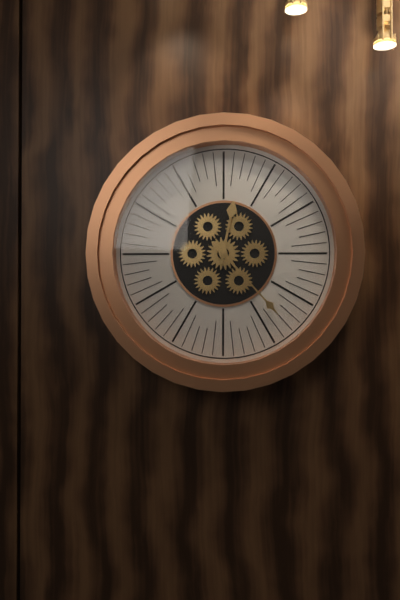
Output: 12.23
